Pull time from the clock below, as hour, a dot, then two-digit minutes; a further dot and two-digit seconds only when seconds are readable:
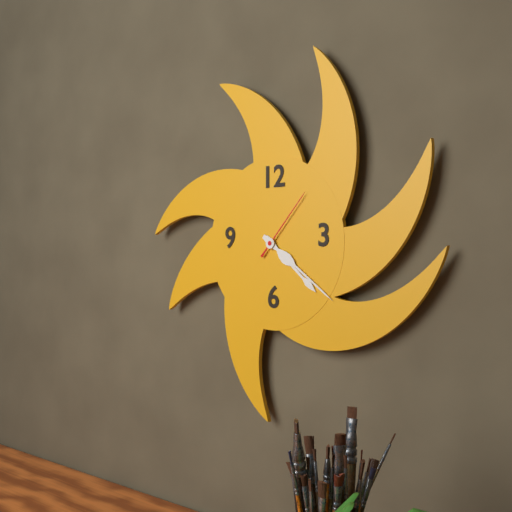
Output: 4.21.07
